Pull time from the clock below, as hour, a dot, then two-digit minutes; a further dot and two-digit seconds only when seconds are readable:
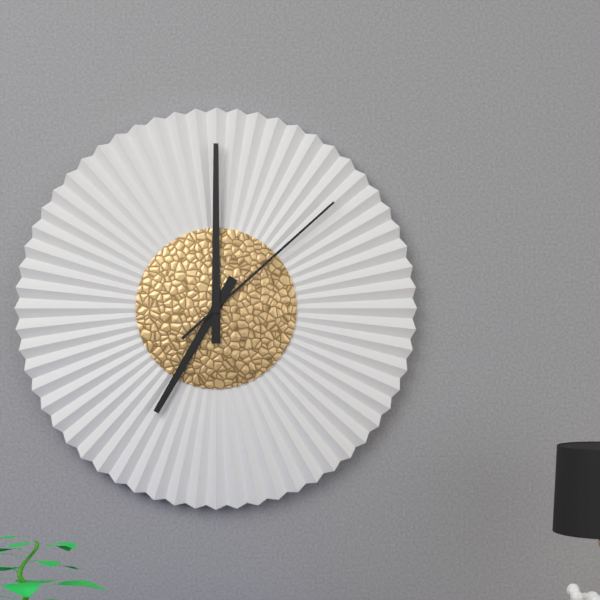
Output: 7.00.08
